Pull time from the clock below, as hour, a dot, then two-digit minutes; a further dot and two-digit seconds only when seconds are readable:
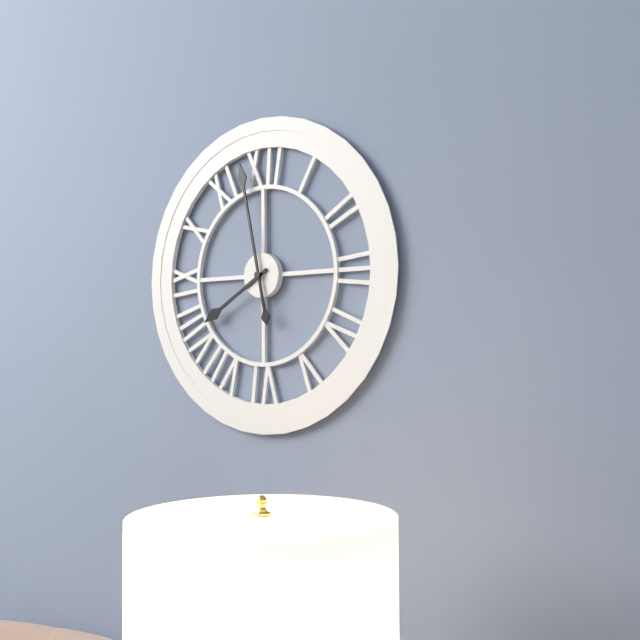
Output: 7.58
